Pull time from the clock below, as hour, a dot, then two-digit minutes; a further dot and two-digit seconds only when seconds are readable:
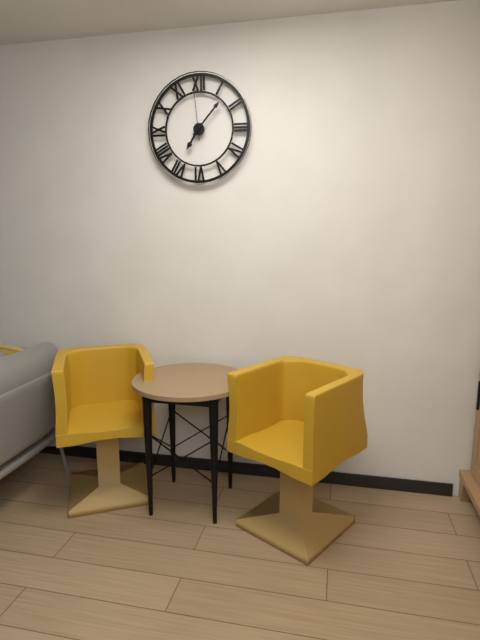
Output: 7.07.59
